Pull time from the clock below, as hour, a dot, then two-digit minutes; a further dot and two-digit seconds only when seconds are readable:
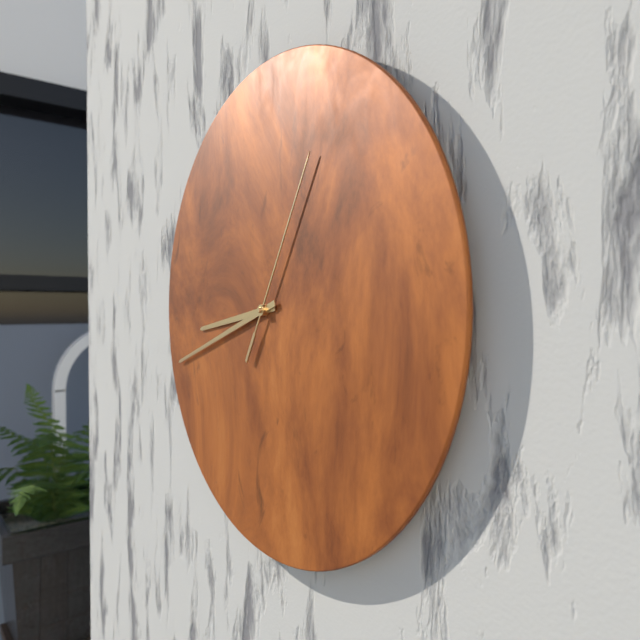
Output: 8.42.05
